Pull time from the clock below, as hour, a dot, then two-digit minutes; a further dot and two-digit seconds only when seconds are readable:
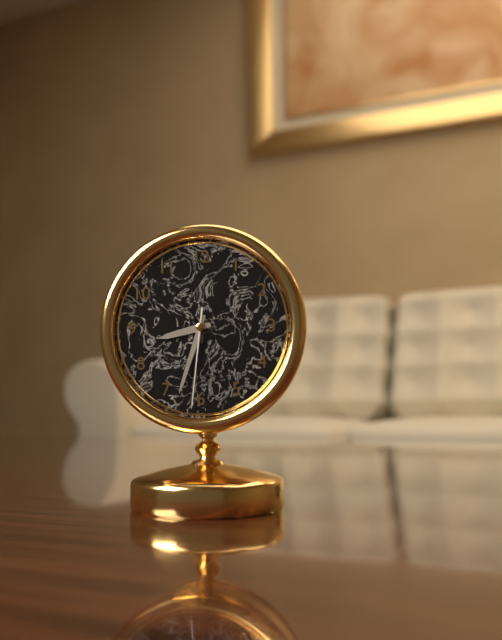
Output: 8.33.31
